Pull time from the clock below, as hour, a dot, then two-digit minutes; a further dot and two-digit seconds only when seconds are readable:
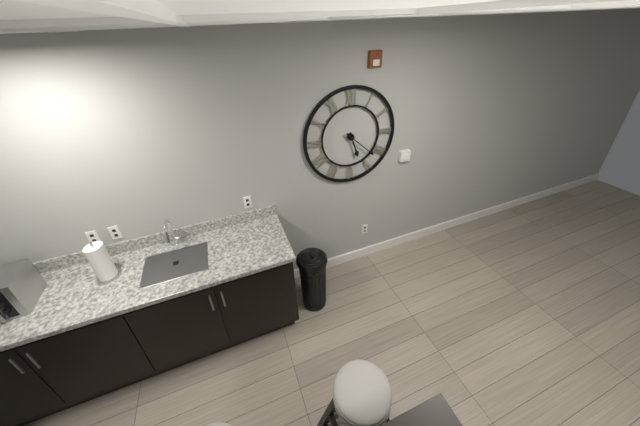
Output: 5.22
